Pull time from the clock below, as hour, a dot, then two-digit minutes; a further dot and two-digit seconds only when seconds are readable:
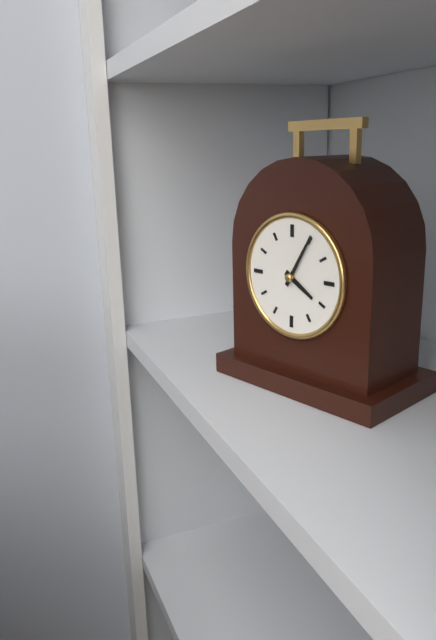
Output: 4.05
